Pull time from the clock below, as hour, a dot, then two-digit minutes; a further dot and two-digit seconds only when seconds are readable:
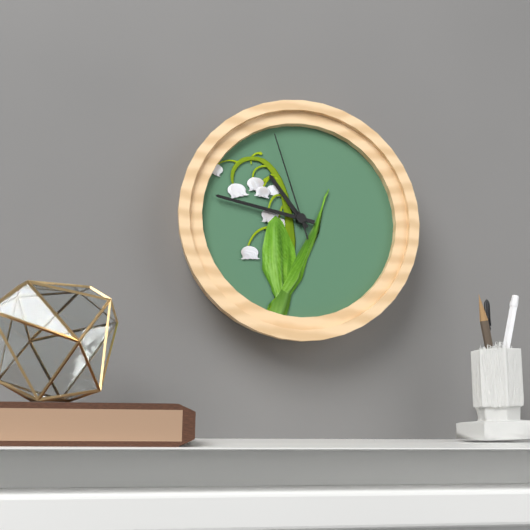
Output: 10.47.57
